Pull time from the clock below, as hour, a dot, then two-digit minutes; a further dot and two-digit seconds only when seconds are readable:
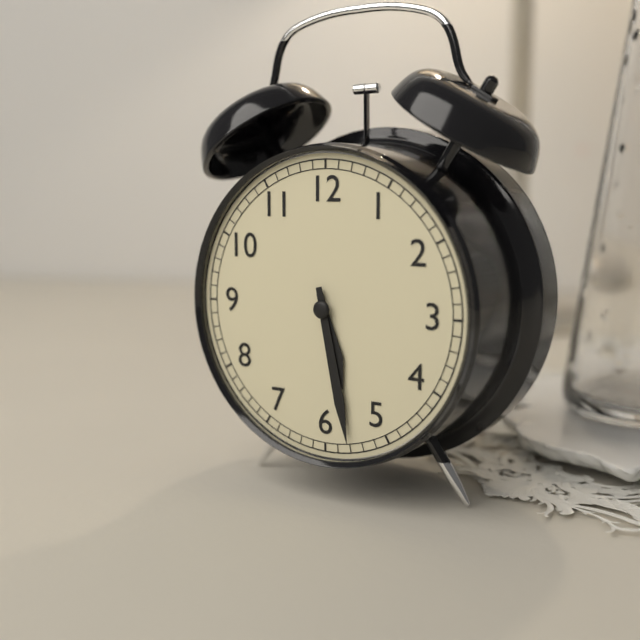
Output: 5.28
